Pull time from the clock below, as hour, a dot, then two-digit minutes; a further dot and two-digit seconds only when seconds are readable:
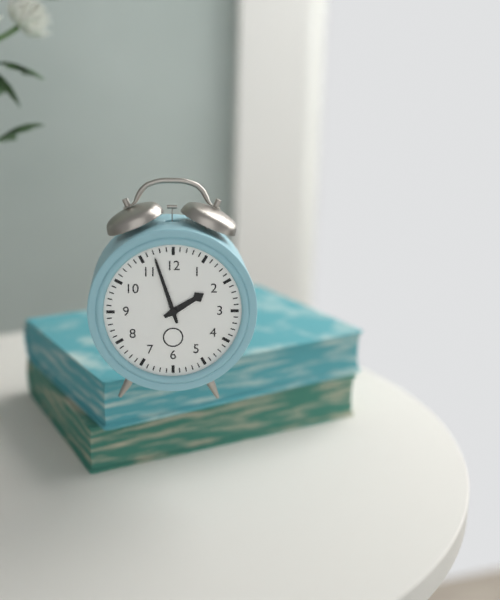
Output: 1.57
